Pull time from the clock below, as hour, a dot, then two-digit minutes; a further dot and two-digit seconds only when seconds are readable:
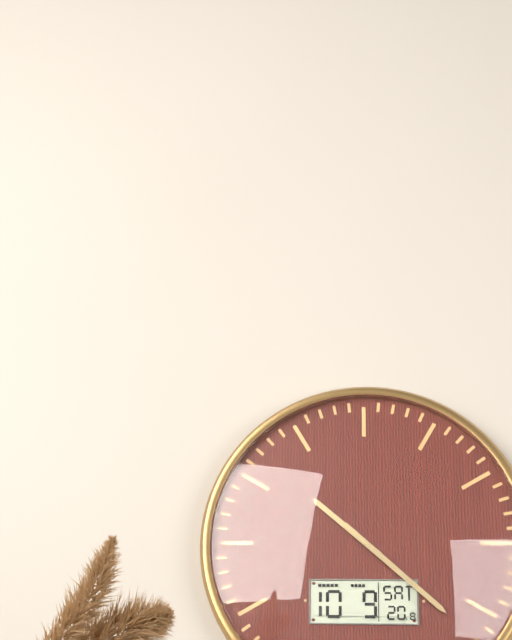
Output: 10.22
